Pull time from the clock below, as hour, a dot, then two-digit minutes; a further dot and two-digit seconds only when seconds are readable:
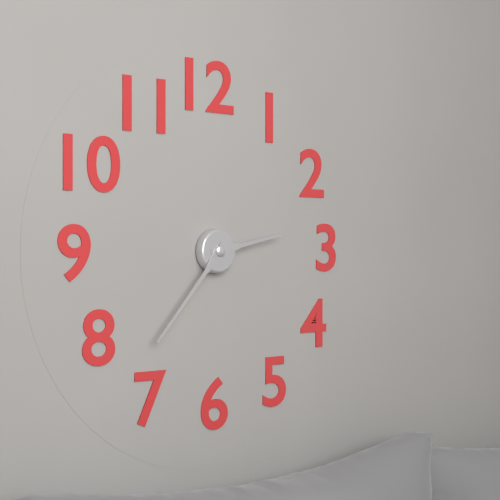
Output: 2.37
